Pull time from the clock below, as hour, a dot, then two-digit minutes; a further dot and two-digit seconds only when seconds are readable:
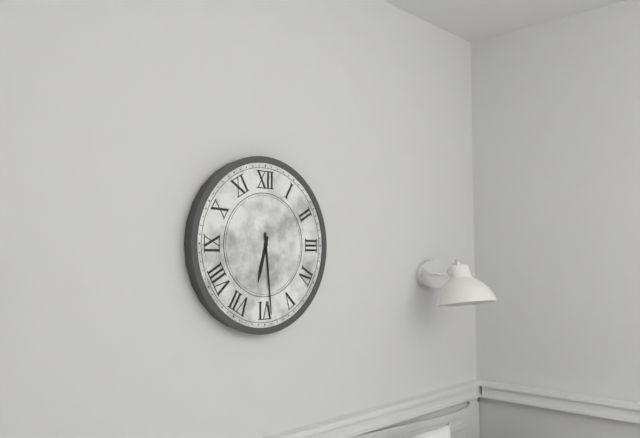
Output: 6.29
